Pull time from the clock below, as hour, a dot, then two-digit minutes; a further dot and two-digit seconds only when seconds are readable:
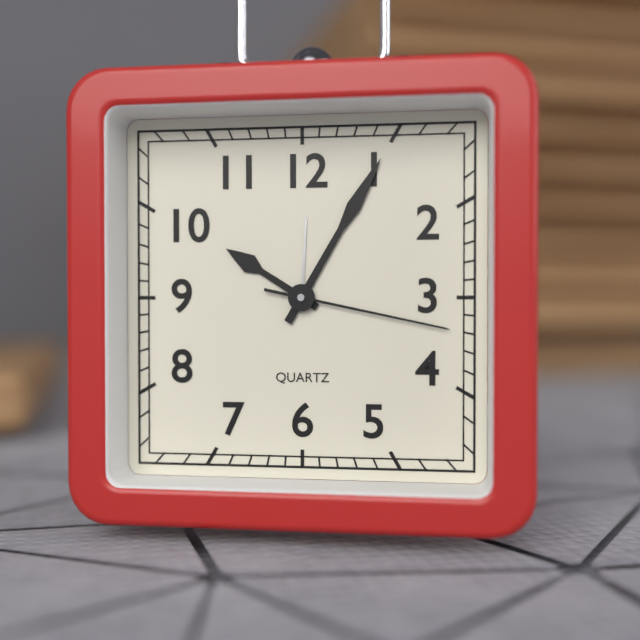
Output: 10.05.17
